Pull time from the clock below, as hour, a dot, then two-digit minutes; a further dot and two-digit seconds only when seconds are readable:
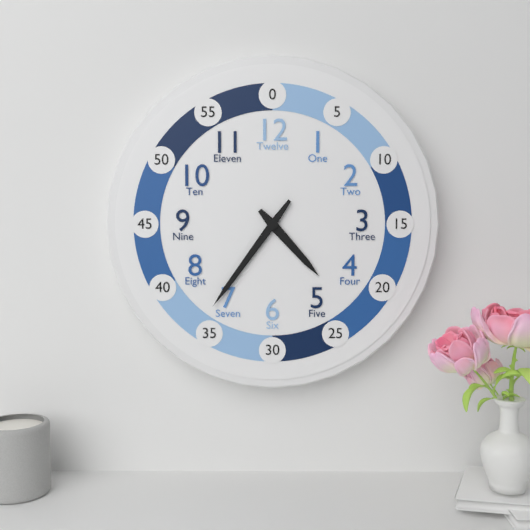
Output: 4.36
